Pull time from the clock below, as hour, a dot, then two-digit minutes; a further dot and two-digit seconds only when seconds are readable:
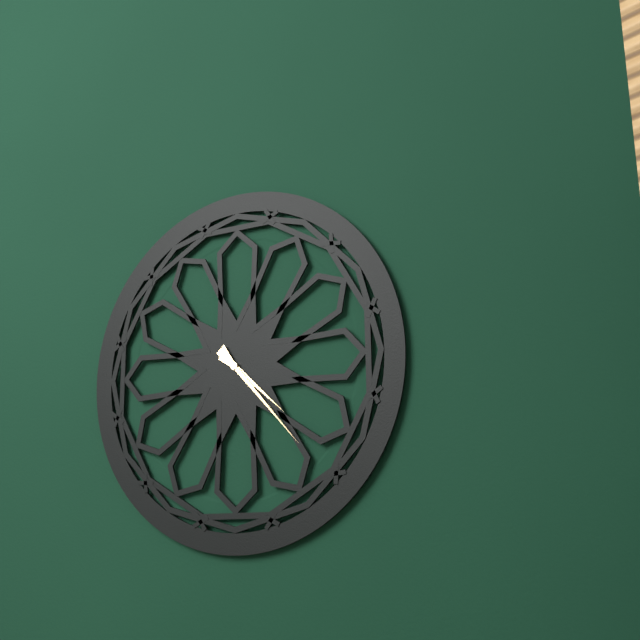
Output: 4.23
